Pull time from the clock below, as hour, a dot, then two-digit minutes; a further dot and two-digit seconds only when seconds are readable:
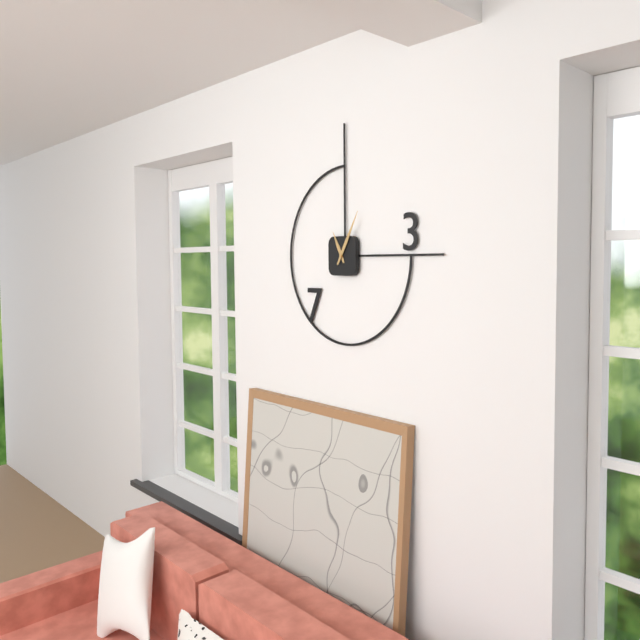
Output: 11.05
